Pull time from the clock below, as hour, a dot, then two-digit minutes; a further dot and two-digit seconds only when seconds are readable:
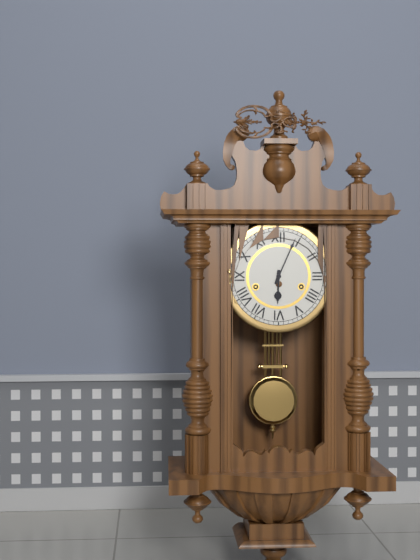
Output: 6.04
